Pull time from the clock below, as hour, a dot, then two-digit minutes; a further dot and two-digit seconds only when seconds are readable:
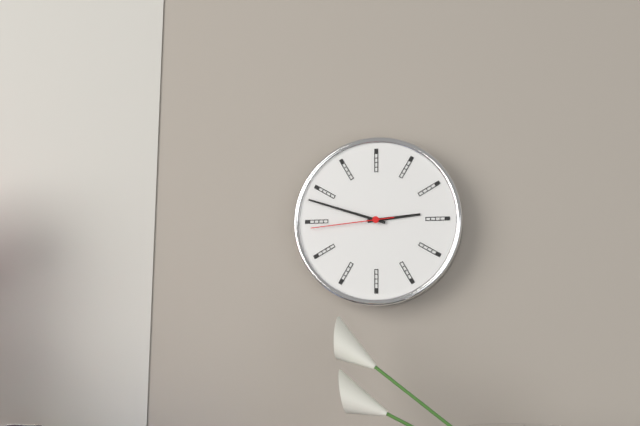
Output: 2.48.44
